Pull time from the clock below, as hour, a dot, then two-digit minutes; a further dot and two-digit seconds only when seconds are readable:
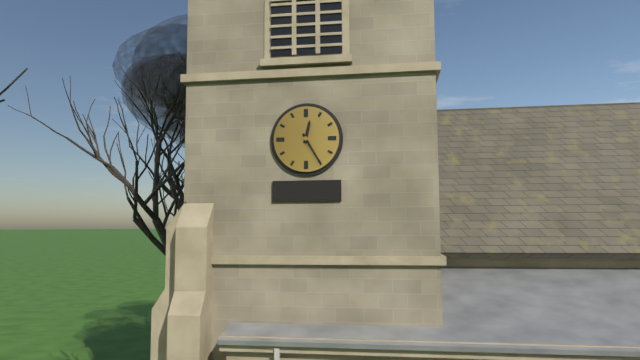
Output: 12.25
